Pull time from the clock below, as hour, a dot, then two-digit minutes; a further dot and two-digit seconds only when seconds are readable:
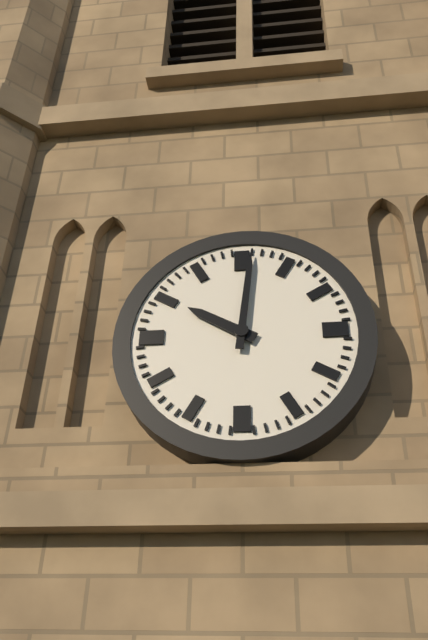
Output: 10.01
